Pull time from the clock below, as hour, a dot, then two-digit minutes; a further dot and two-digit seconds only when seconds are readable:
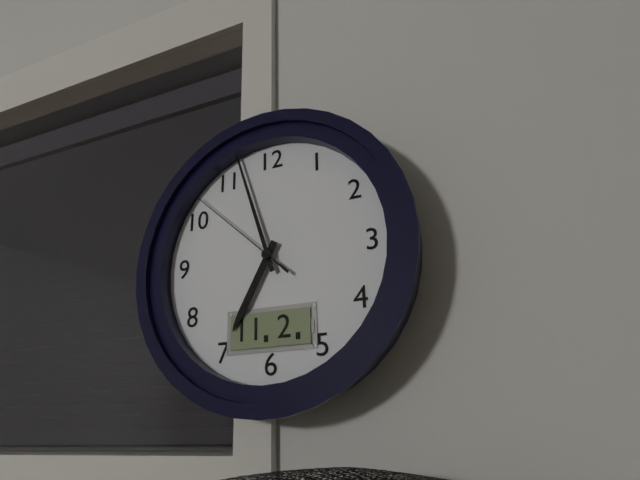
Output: 6.57.52
